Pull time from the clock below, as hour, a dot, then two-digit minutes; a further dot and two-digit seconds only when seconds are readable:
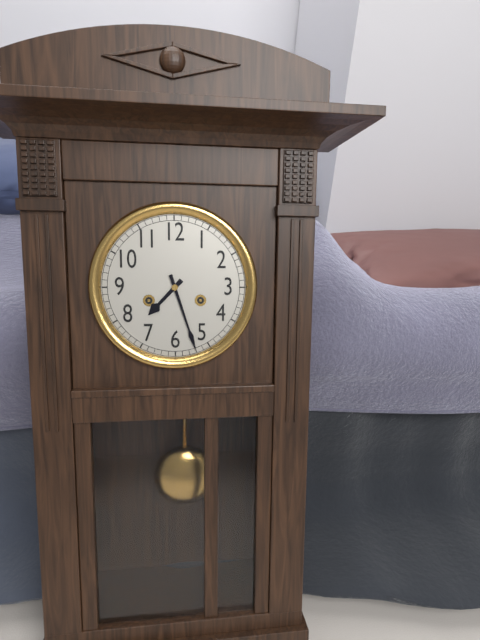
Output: 7.27
